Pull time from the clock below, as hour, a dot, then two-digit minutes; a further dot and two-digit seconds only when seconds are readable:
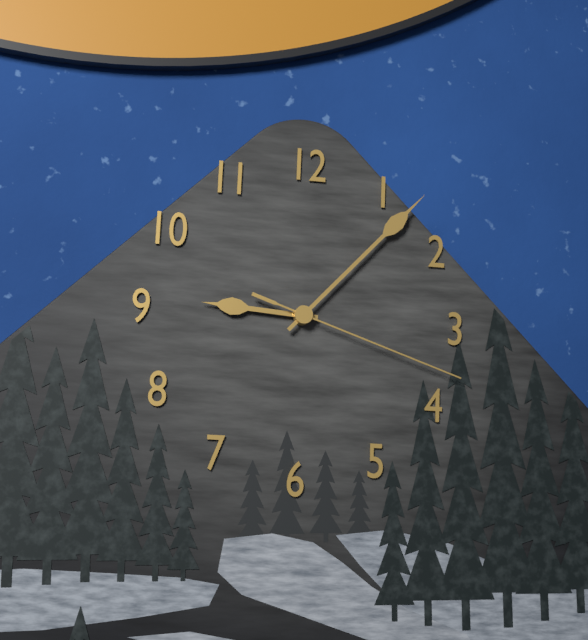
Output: 9.07.18
